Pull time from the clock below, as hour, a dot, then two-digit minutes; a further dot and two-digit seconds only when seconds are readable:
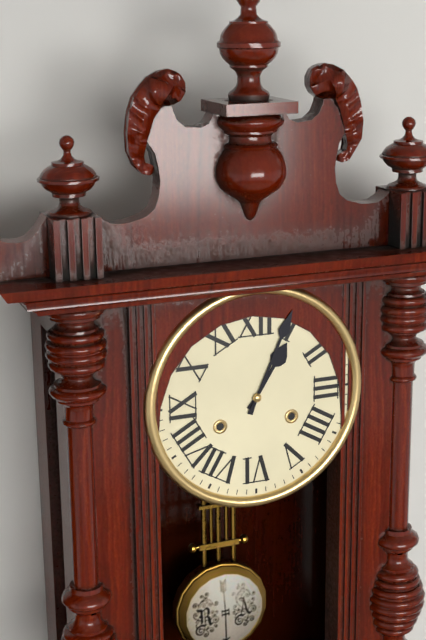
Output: 1.04
